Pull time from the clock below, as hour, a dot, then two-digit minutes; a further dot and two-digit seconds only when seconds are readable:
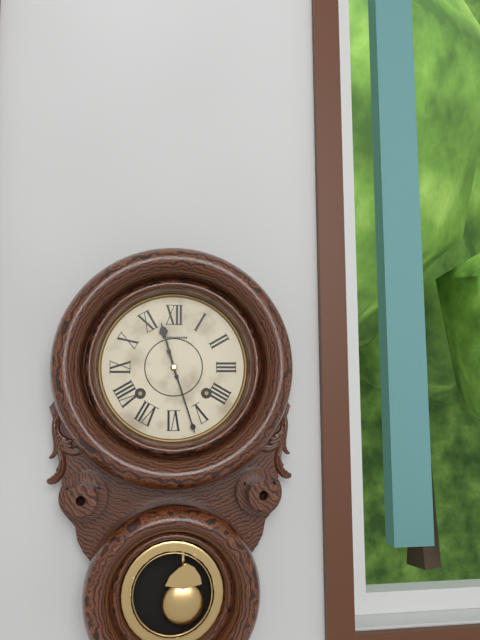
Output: 11.27
